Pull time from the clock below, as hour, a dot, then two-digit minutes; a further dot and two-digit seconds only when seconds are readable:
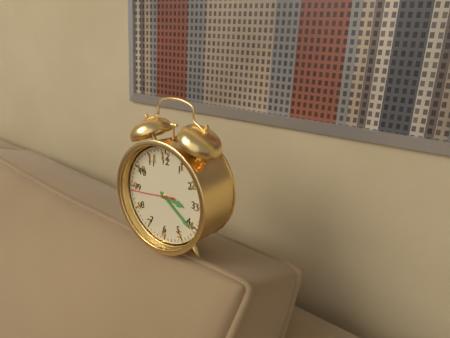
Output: 3.21
